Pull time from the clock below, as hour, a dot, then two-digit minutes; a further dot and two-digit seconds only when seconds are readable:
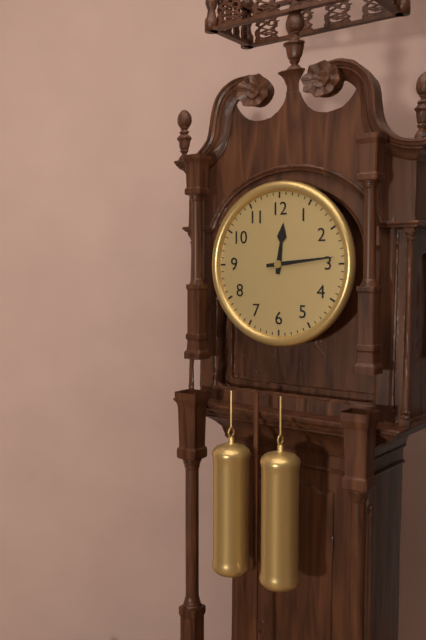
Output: 12.14
